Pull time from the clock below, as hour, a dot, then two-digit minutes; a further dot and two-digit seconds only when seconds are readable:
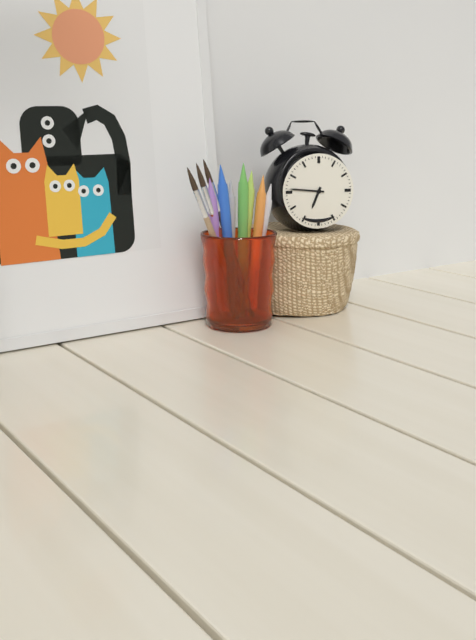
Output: 6.46
